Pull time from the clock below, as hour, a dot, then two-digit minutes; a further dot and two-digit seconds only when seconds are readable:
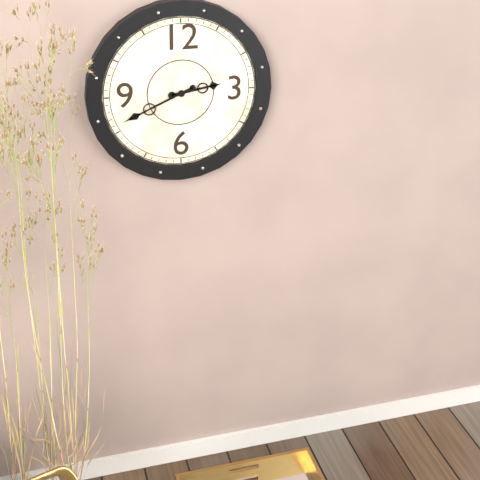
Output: 2.41
